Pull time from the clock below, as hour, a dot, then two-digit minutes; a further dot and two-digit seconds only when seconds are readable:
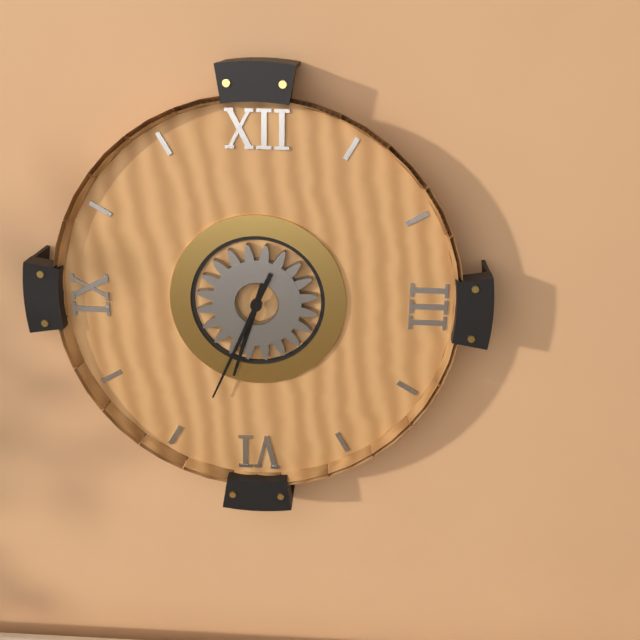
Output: 6.34
